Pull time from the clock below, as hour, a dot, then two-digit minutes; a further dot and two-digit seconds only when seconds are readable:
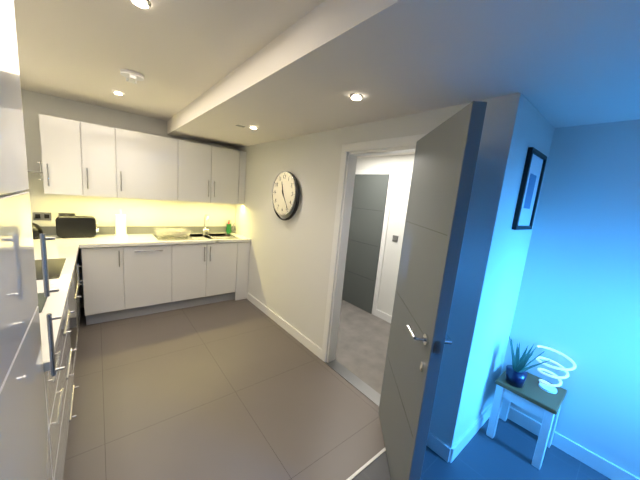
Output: 11.24
